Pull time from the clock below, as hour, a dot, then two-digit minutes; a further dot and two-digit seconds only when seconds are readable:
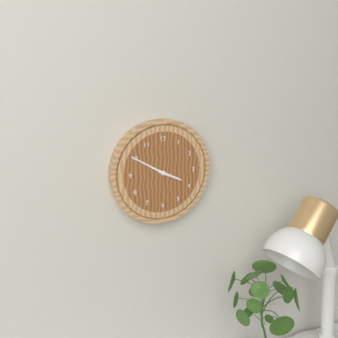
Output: 3.50
